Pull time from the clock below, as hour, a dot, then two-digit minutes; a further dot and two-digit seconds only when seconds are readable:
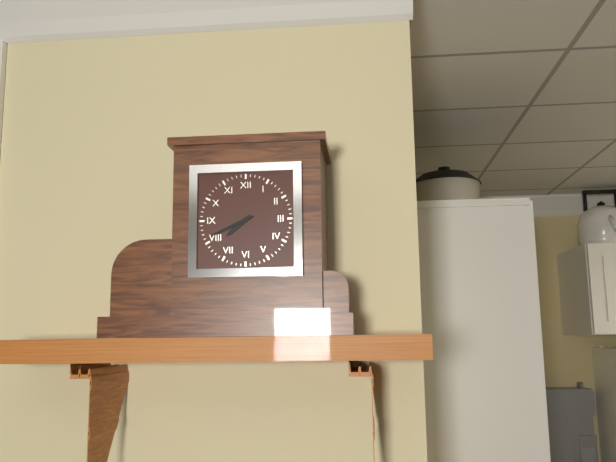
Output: 7.41
